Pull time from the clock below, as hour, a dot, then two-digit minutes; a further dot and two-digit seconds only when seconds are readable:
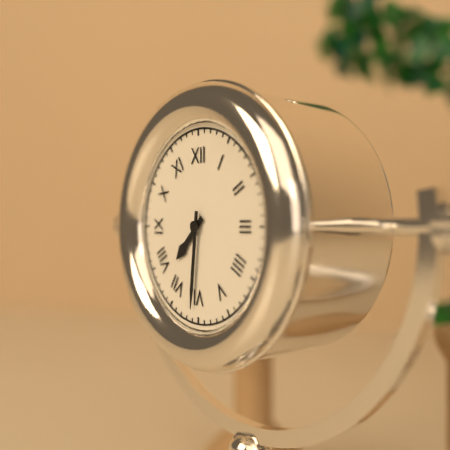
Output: 7.31
